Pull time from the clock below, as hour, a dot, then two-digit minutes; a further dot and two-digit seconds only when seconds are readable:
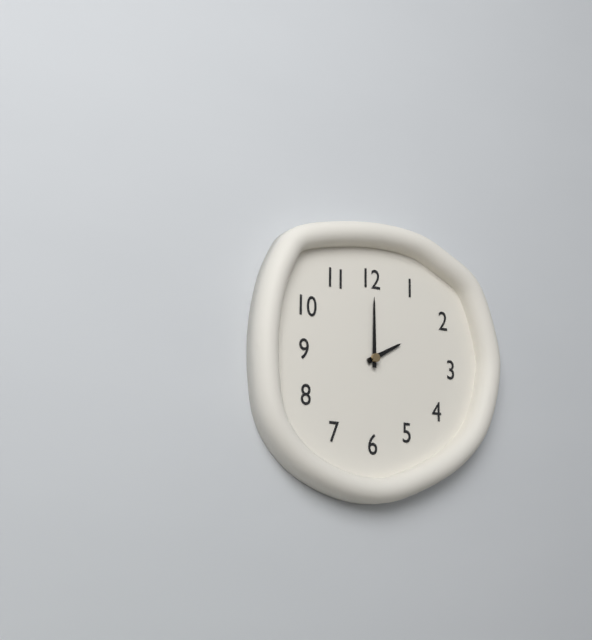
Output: 2.00
